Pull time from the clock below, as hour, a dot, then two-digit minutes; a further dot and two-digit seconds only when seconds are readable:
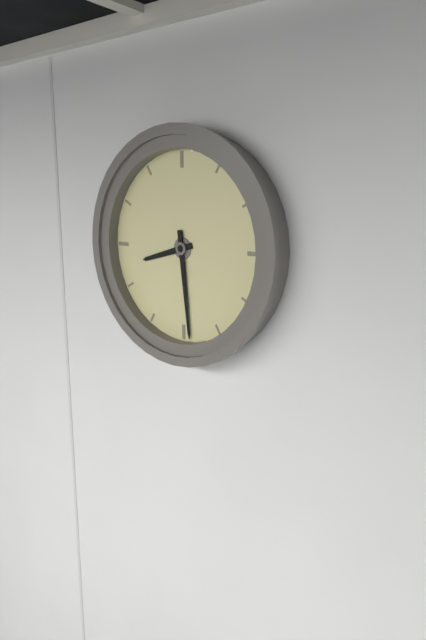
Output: 8.29
